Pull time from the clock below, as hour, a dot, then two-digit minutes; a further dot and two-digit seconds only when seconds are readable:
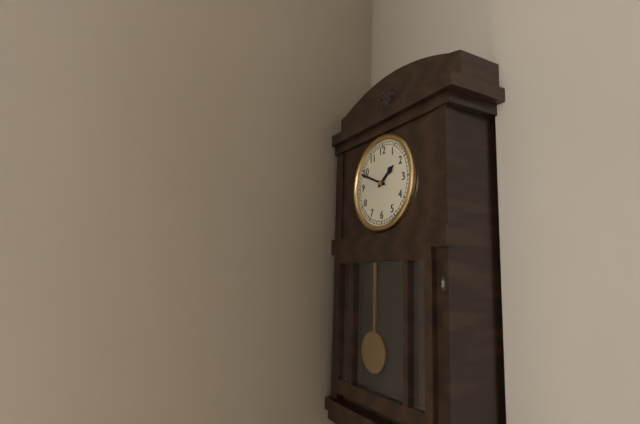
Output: 1.49
